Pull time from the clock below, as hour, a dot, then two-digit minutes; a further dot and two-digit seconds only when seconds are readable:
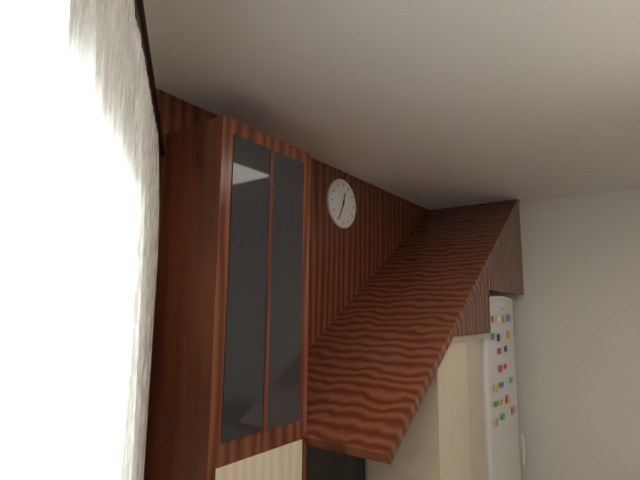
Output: 12.34
